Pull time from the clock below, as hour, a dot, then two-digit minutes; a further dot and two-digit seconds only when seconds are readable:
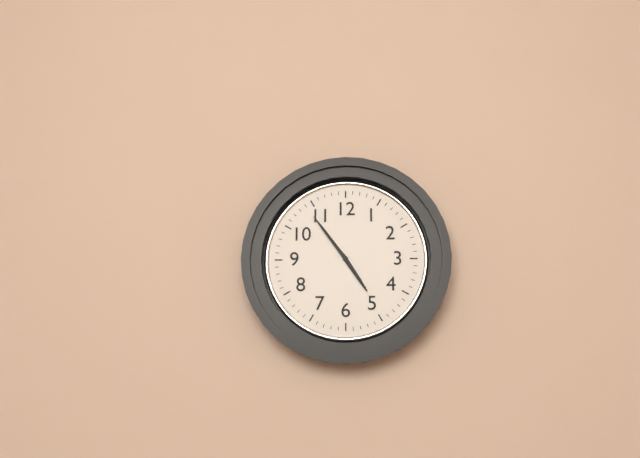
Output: 4.54
